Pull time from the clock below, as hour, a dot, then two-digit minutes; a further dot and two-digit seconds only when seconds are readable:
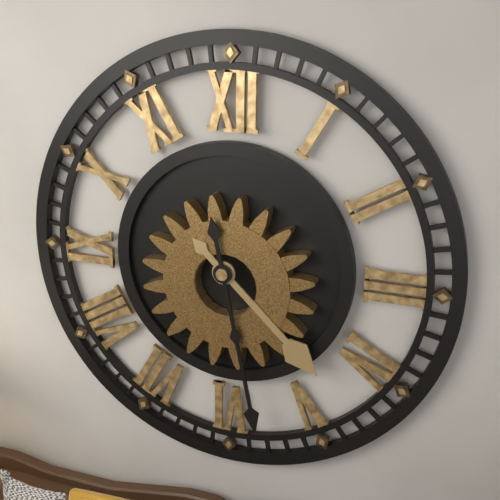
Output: 4.28
